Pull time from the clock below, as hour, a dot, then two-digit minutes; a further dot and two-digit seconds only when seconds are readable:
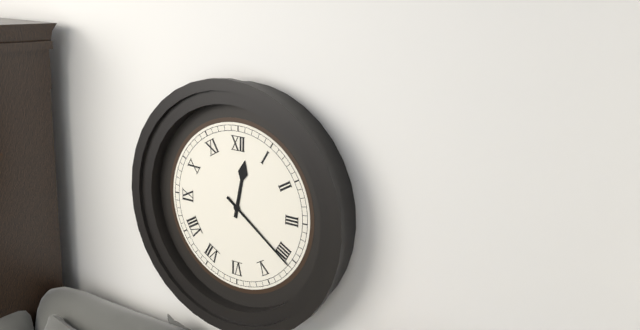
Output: 12.21
